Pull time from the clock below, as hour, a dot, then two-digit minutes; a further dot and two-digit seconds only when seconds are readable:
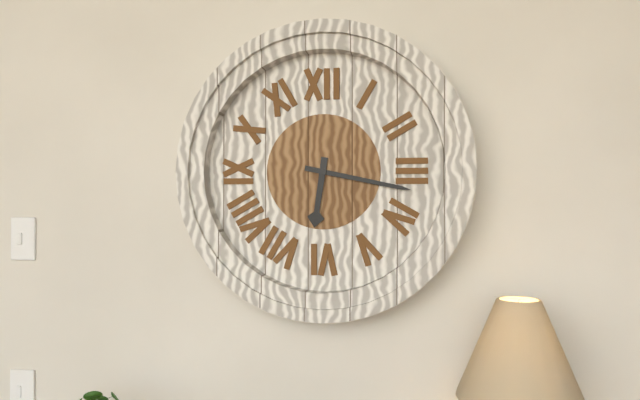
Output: 6.17
